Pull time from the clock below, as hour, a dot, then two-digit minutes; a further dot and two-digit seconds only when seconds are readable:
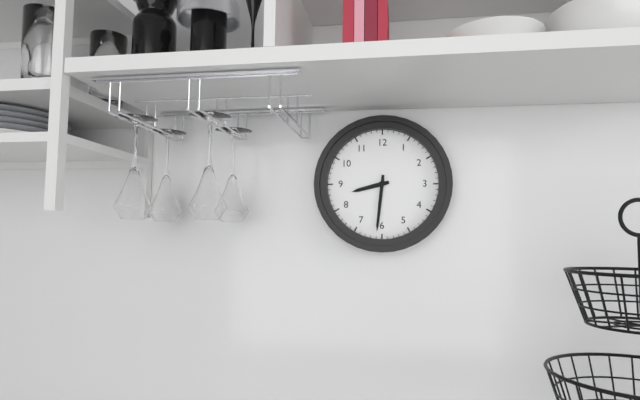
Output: 8.31
